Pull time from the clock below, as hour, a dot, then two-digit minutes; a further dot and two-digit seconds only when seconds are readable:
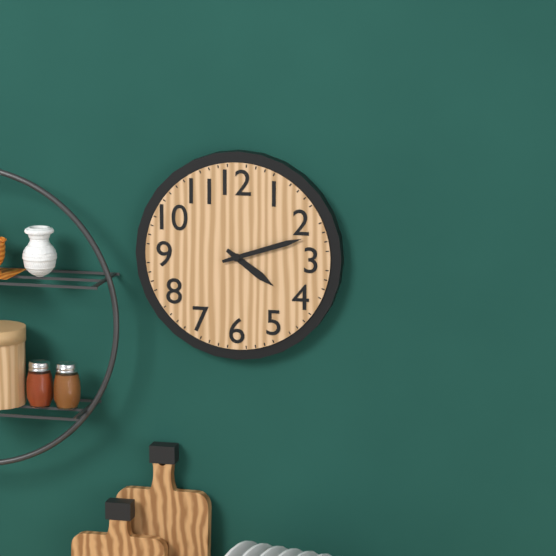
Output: 4.12
